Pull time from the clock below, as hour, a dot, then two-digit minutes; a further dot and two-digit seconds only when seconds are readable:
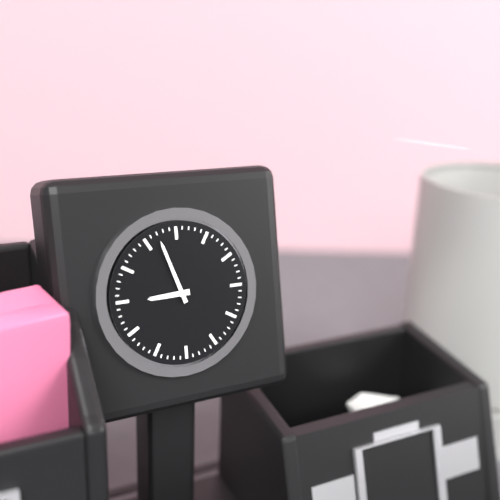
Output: 8.57
